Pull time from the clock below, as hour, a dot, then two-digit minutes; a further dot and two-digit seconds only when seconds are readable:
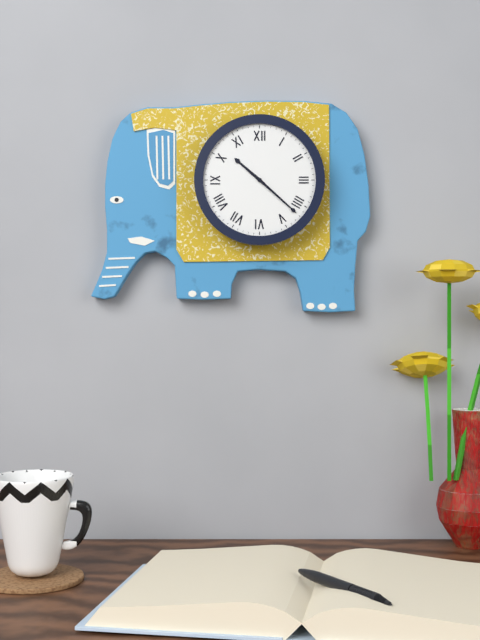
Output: 10.22
